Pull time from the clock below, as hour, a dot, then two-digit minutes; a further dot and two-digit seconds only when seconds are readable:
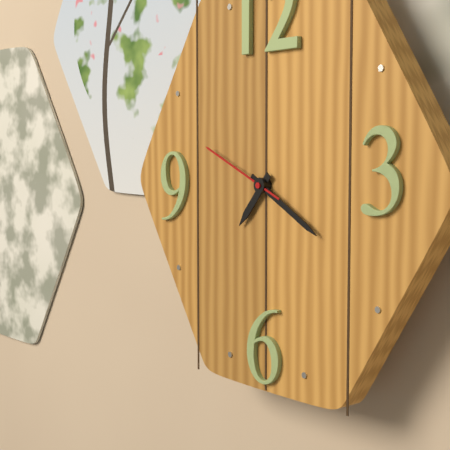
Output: 7.20.49
